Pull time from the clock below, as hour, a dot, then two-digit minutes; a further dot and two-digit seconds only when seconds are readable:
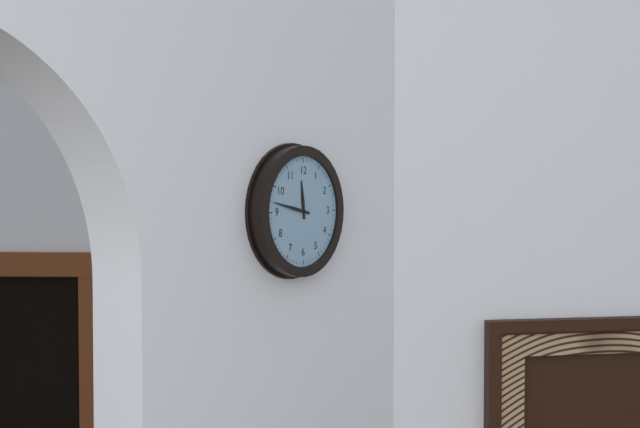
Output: 11.47
